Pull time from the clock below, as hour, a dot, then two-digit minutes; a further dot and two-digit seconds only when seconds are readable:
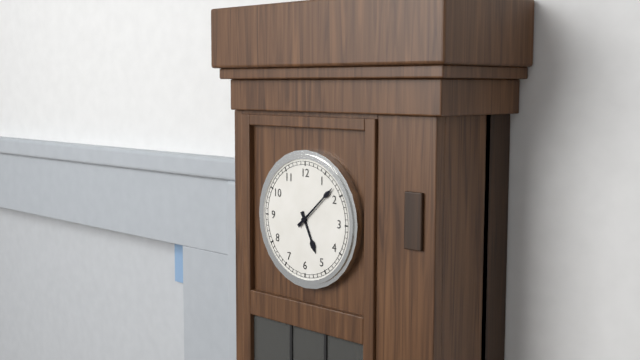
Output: 5.08
